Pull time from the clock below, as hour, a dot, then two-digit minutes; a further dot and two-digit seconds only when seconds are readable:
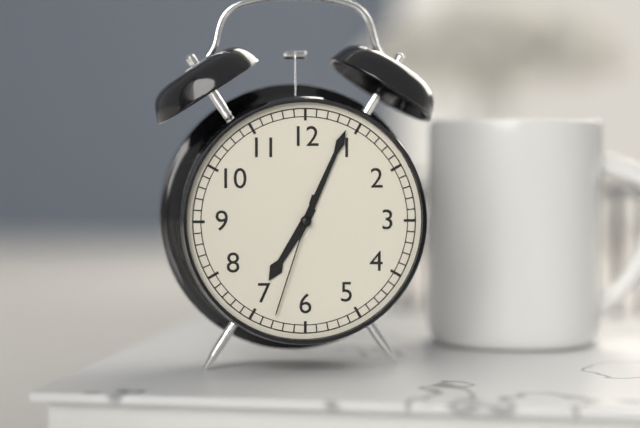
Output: 7.04.33
